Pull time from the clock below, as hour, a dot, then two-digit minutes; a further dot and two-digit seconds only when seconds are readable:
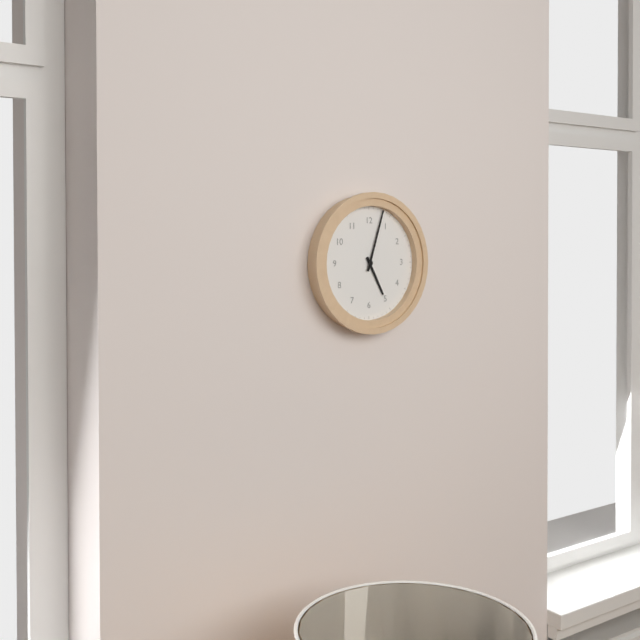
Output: 5.03
